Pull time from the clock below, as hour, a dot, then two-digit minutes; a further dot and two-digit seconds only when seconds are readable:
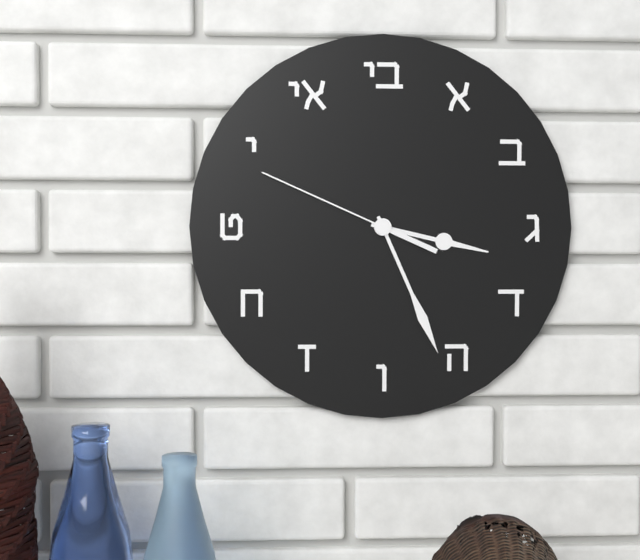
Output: 3.26.49
